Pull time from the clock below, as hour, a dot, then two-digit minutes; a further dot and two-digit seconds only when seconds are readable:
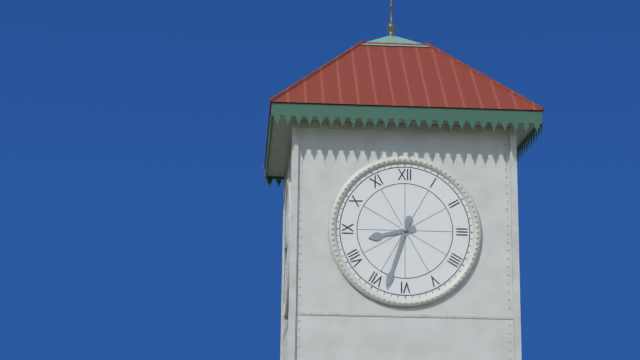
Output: 8.33
